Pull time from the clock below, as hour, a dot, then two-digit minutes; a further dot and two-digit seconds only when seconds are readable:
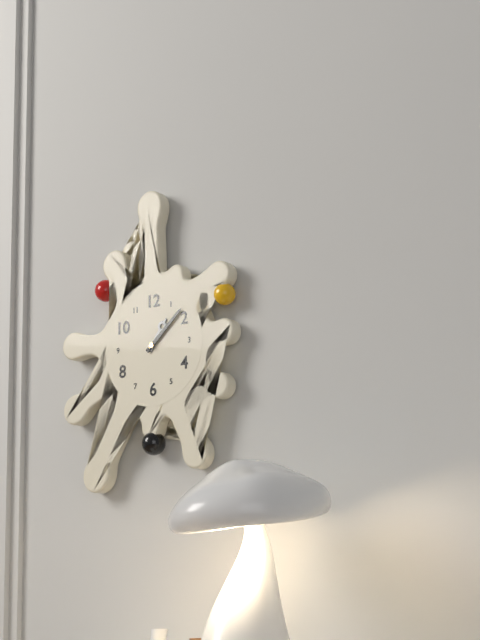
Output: 1.08
